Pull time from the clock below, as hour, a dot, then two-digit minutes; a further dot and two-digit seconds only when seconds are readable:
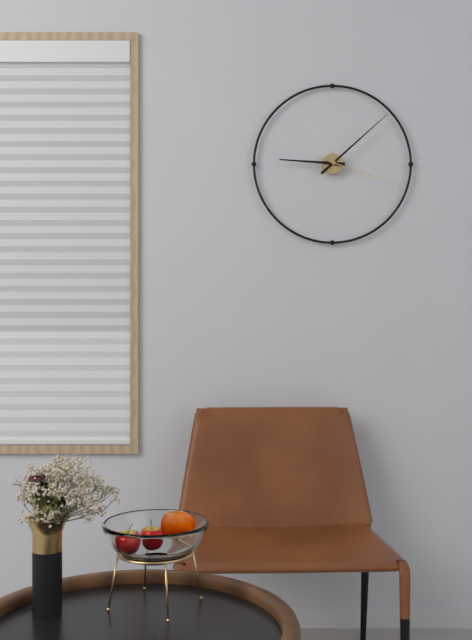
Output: 9.08.18
